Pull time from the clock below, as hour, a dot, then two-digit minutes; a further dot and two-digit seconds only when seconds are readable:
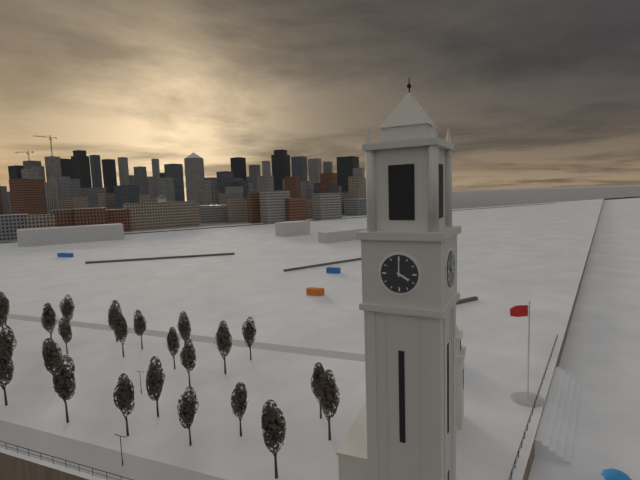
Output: 4.00
